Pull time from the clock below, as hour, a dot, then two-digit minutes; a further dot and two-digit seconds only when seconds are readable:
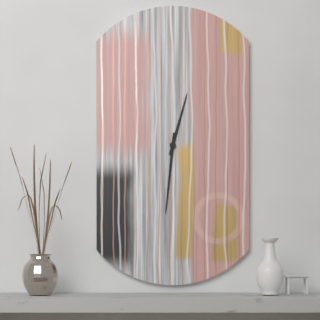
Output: 12.31
